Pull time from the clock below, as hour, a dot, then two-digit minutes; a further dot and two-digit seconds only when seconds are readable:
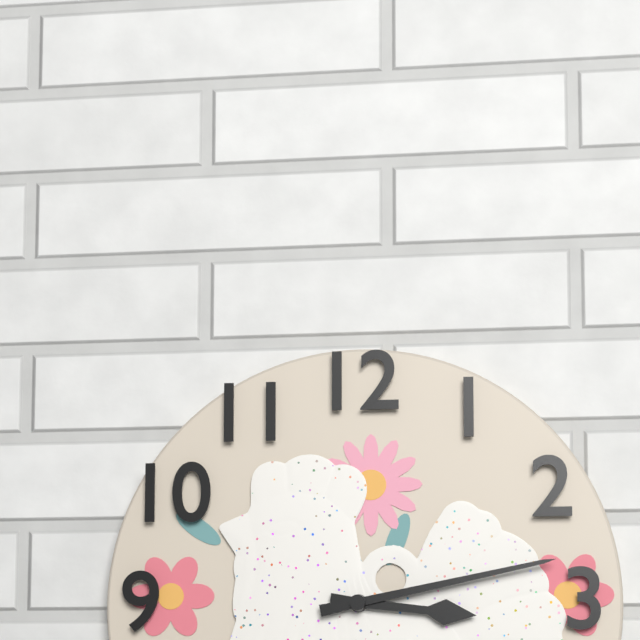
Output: 3.13
